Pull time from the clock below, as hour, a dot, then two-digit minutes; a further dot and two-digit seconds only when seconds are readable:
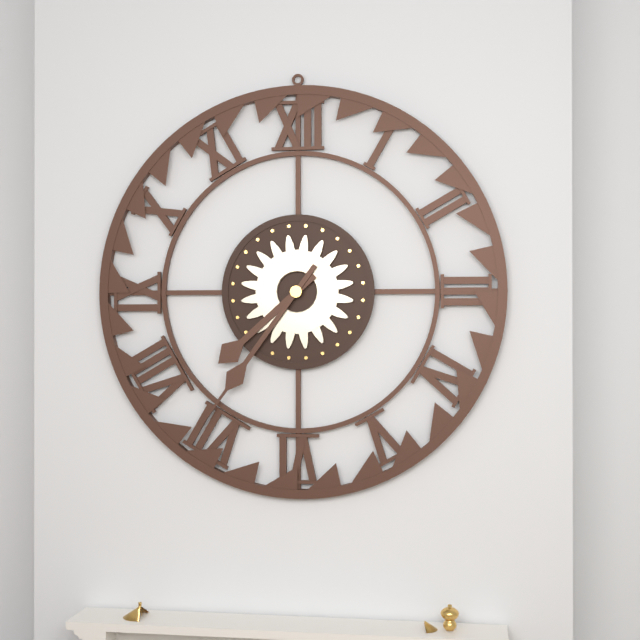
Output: 7.36
